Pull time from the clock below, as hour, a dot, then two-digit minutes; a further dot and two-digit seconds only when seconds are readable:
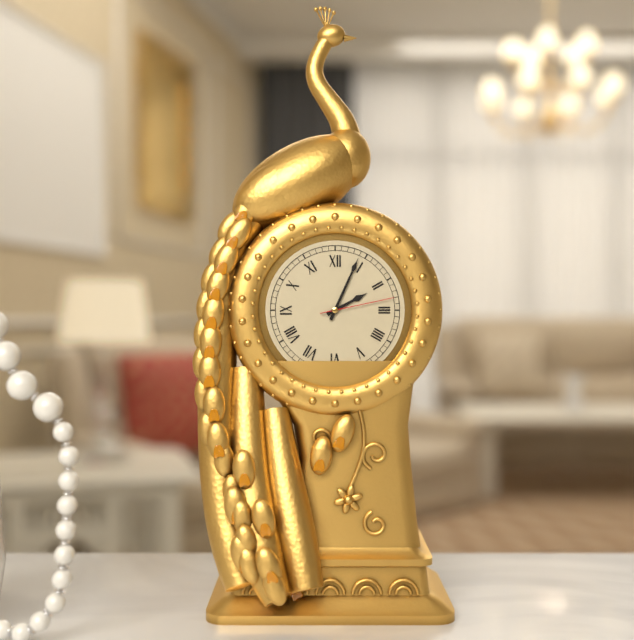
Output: 2.04.13
